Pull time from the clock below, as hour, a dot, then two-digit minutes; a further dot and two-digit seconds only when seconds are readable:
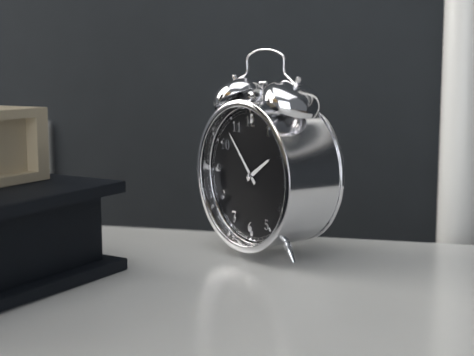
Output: 1.53
